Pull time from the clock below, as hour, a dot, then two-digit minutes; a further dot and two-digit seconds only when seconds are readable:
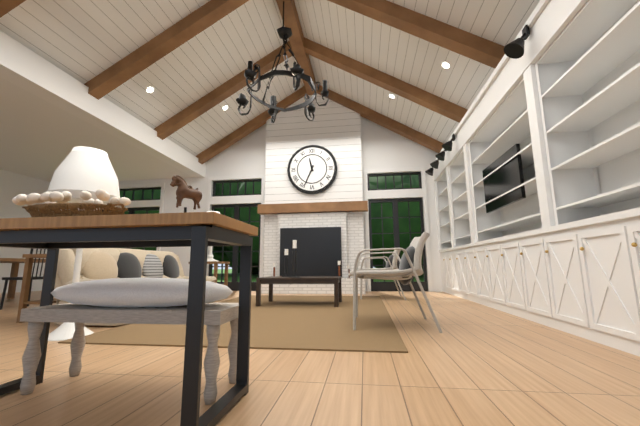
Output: 11.34
